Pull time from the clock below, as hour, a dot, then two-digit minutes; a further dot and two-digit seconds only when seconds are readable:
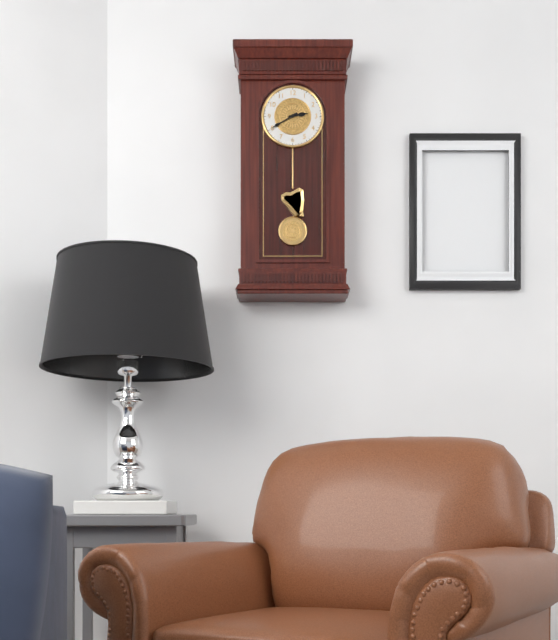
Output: 2.40
